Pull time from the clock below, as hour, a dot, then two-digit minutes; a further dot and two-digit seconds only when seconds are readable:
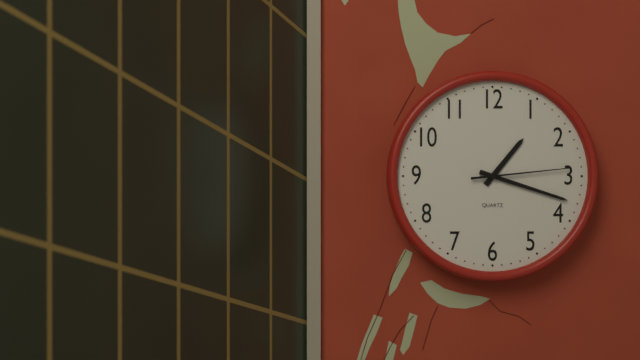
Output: 1.18.14
